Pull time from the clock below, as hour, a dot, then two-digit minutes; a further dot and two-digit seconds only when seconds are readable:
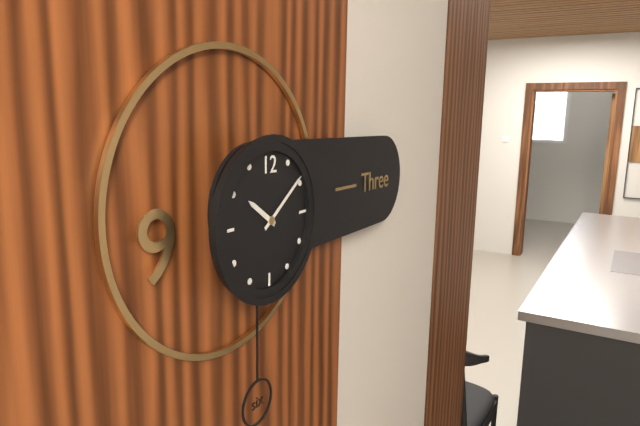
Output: 10.09
